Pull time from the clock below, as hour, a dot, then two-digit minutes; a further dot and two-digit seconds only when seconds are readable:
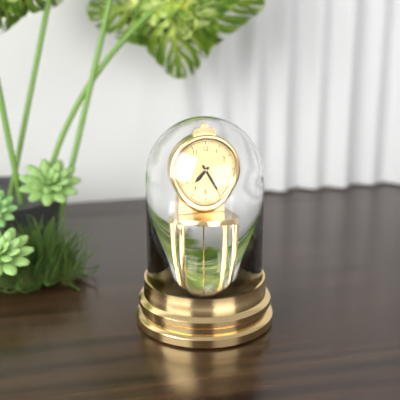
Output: 7.25
